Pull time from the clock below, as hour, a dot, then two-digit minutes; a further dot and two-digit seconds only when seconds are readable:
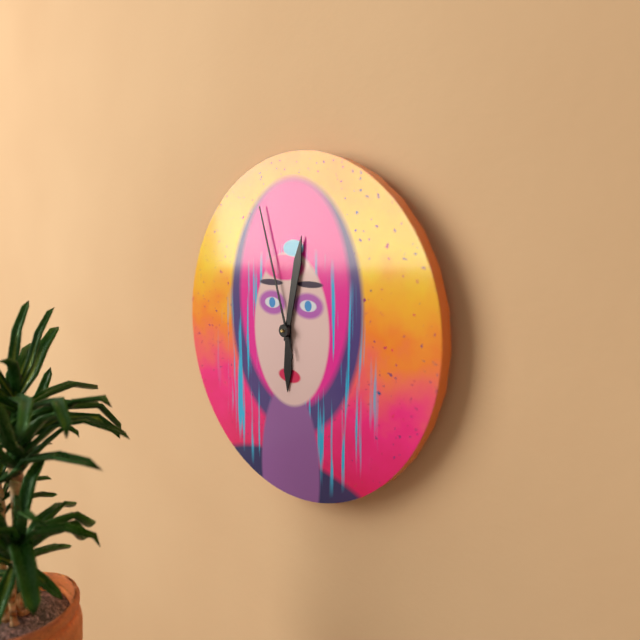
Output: 6.02.57
